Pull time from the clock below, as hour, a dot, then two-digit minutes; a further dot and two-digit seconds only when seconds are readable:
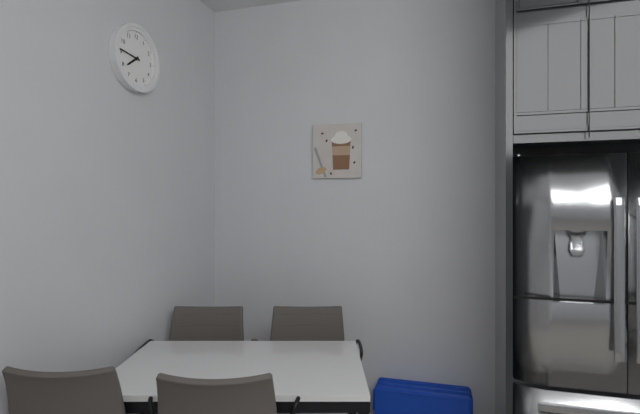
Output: 7.46
